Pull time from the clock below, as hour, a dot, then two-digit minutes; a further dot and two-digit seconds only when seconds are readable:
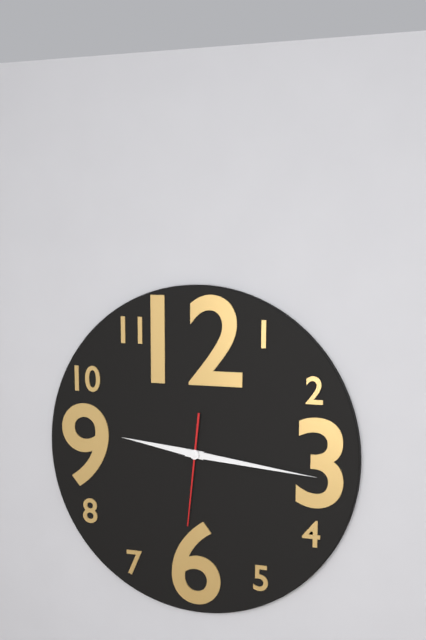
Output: 9.16.31
